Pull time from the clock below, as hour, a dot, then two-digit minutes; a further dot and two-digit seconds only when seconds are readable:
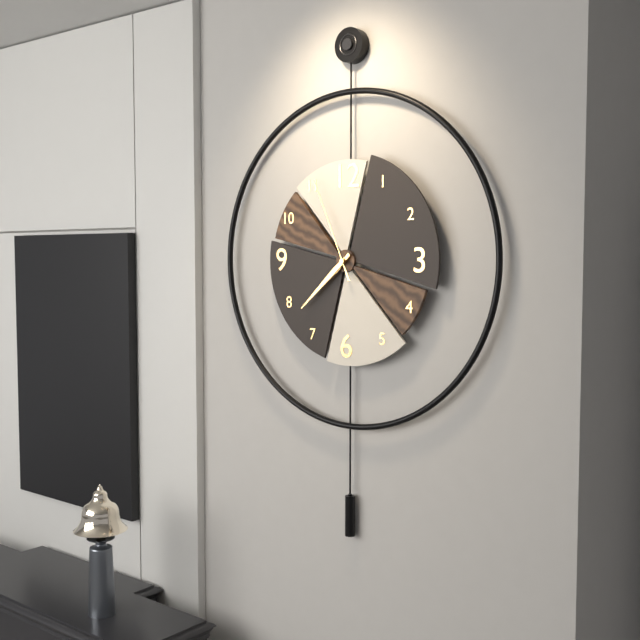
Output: 7.38.56
